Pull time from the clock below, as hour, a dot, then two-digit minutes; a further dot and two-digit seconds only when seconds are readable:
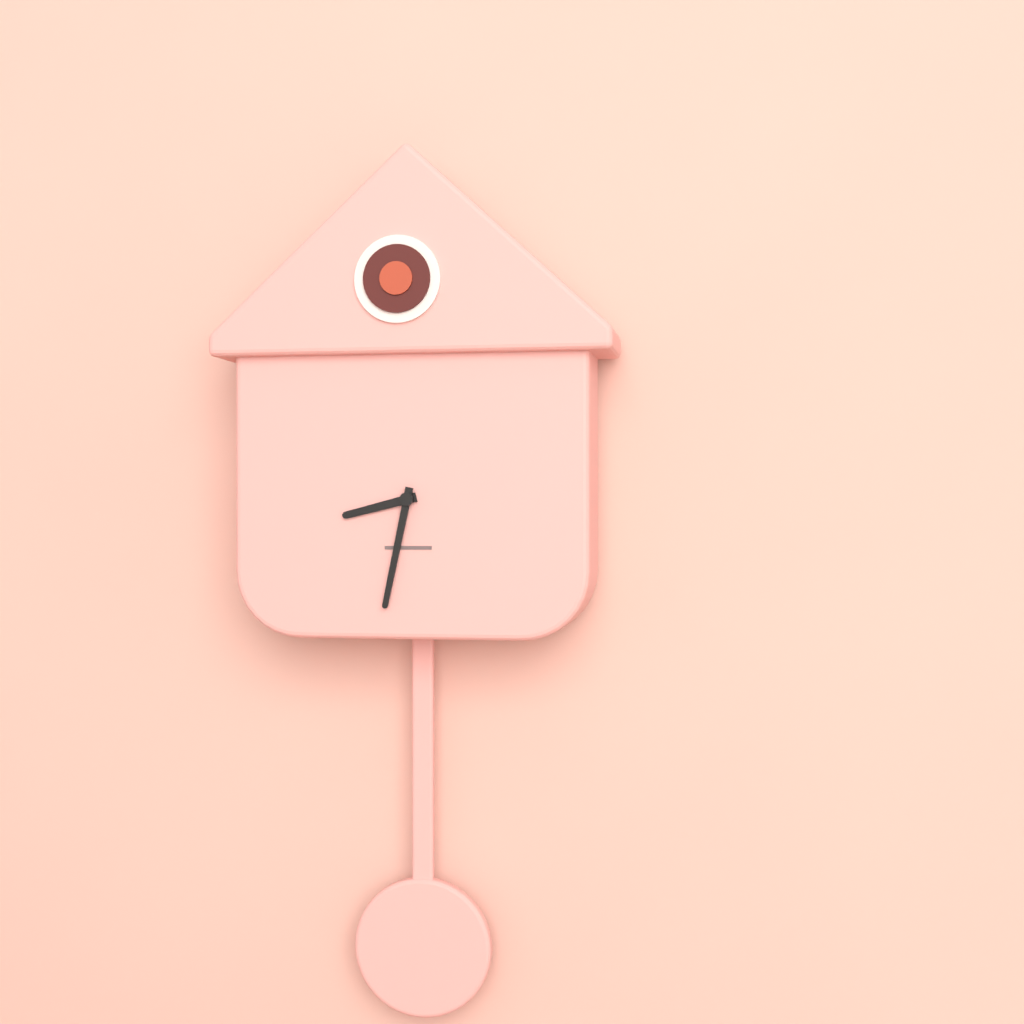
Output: 8.32
